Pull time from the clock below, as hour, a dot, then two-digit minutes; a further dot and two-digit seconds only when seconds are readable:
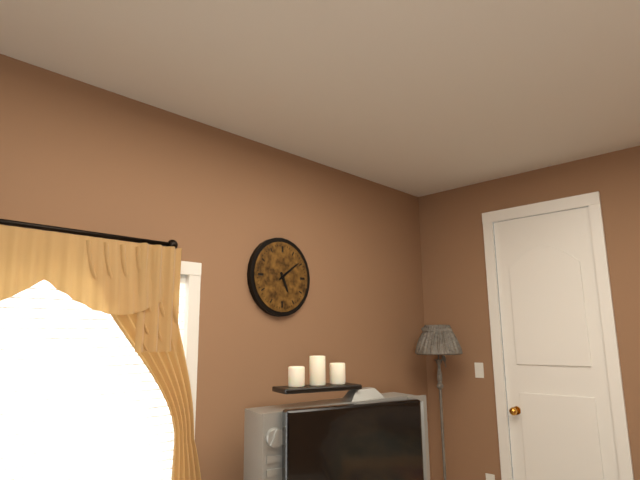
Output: 5.09
